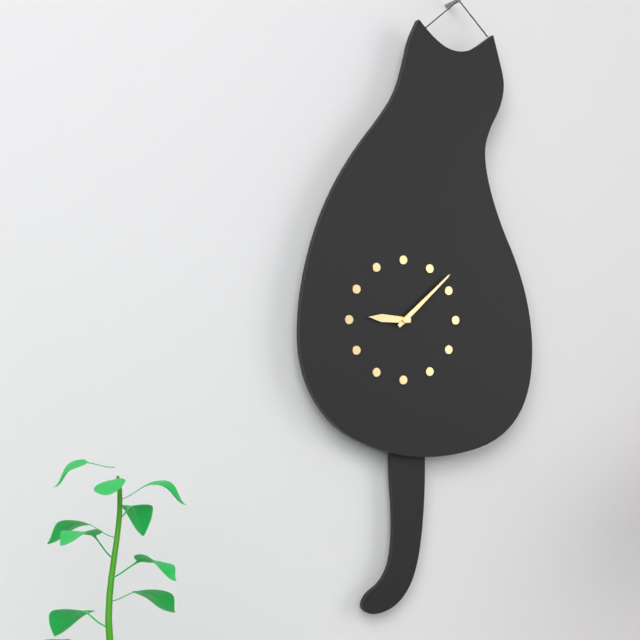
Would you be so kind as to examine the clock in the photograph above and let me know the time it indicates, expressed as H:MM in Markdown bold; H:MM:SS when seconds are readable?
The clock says **9:08**
